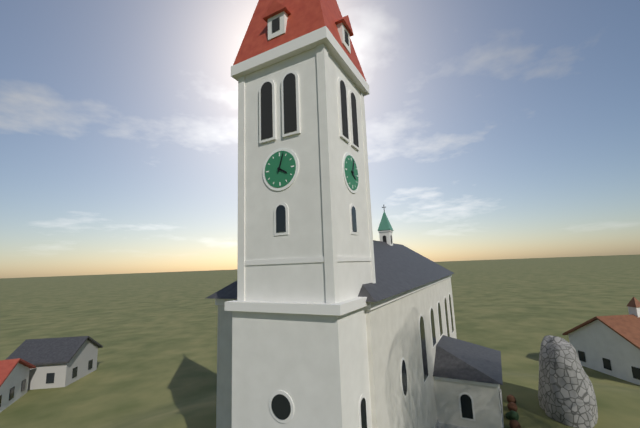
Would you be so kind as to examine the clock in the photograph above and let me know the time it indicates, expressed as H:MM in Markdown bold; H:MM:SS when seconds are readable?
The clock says **4:03**
